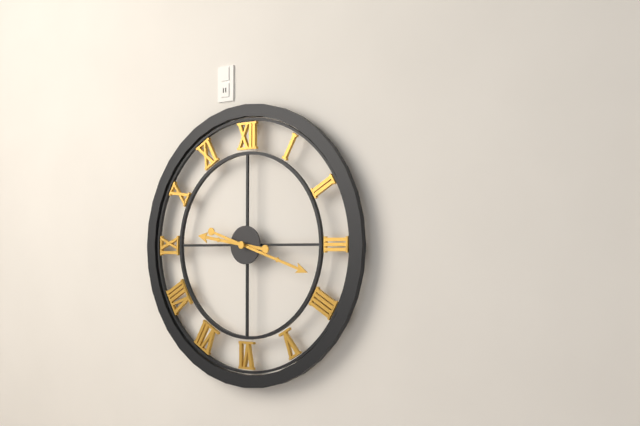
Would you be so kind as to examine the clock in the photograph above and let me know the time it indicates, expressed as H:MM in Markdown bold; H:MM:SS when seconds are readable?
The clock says **9:18**
